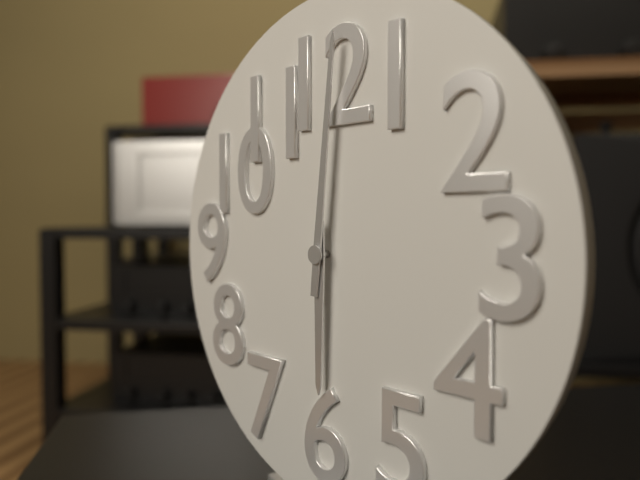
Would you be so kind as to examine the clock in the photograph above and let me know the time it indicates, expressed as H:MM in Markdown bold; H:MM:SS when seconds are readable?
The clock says **6:01**
